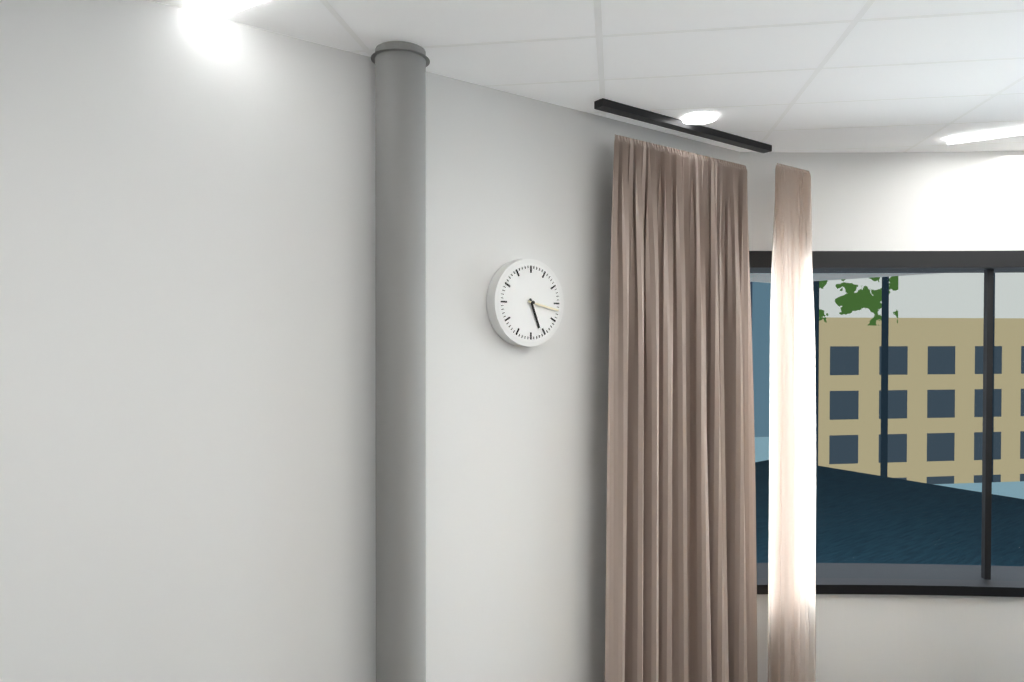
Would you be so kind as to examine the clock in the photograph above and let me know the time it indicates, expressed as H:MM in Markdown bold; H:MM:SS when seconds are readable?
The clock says **5:17**
